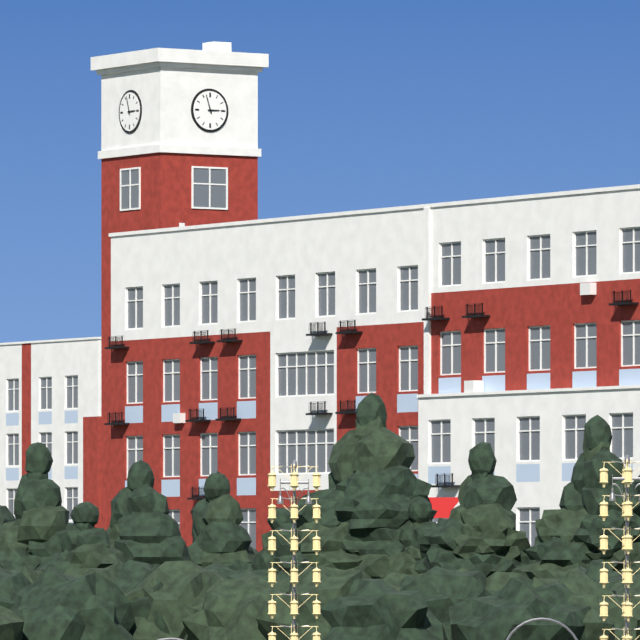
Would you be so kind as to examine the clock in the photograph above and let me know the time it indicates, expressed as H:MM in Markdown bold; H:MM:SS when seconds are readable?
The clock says **2:57**
